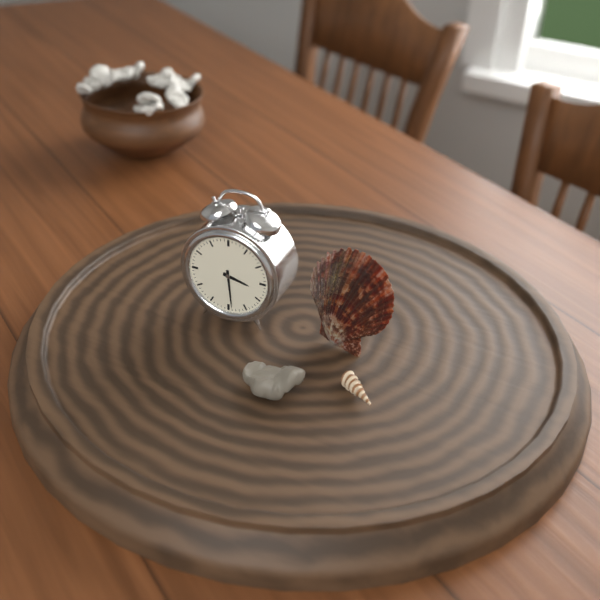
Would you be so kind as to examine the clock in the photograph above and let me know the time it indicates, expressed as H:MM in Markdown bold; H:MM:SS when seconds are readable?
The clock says **3:29**
